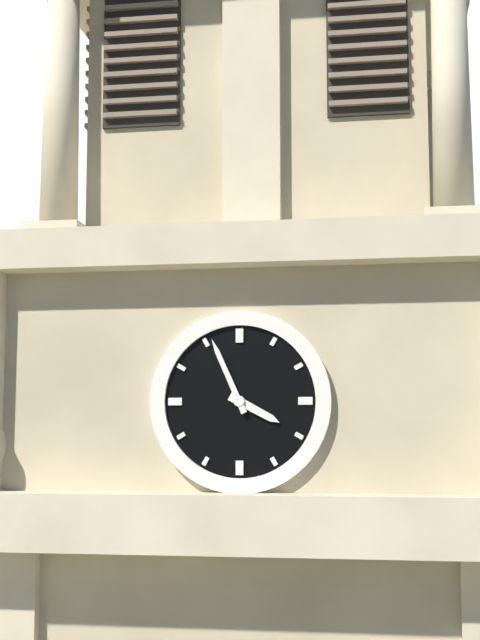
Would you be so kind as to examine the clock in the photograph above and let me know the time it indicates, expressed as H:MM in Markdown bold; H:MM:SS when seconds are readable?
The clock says **3:56**
